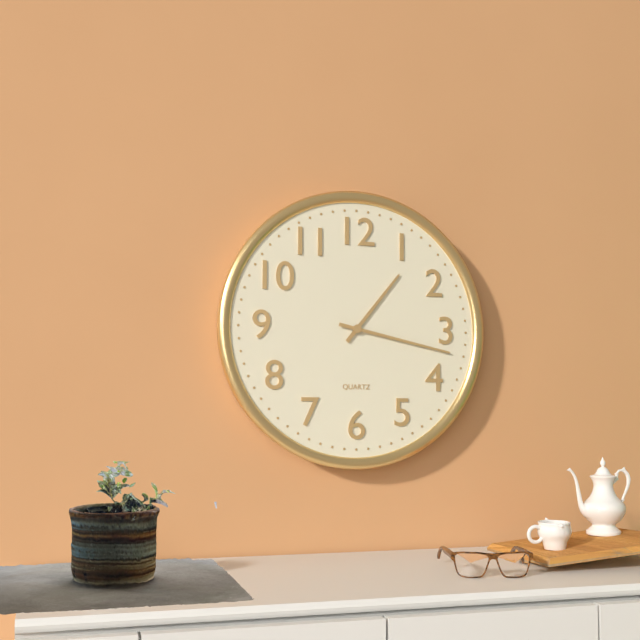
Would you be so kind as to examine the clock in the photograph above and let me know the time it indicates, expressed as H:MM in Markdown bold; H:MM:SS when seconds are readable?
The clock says **1:17**
